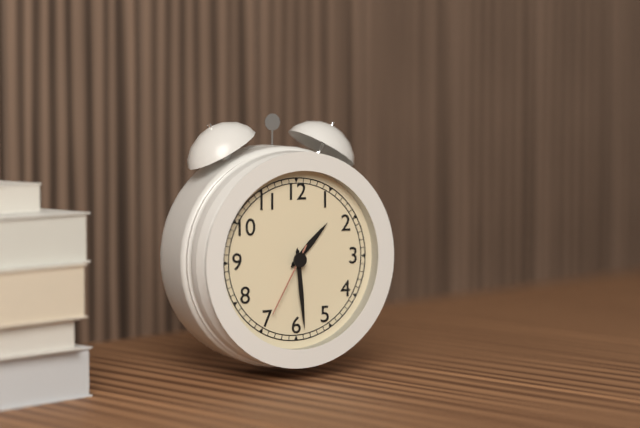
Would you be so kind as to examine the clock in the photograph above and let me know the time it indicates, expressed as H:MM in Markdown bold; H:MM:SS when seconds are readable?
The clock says **1:29:35**
